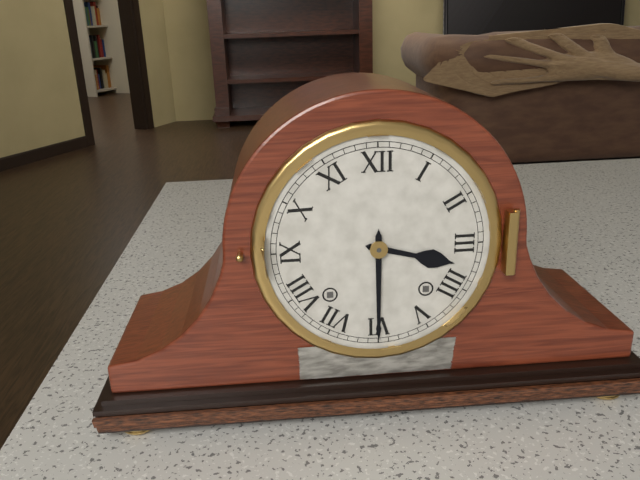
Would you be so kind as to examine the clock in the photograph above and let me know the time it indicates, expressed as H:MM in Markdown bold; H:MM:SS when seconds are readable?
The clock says **3:30**
